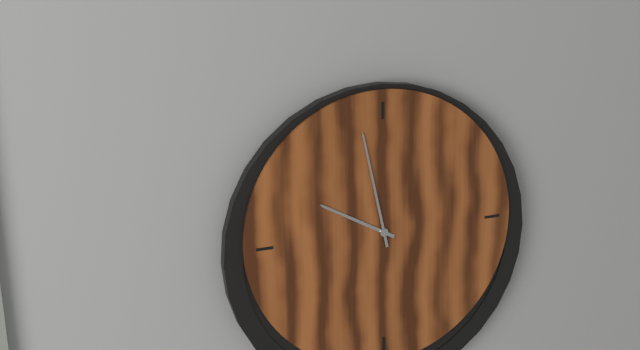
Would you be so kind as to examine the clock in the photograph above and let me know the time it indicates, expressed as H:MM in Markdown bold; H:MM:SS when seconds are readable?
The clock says **9:58**
